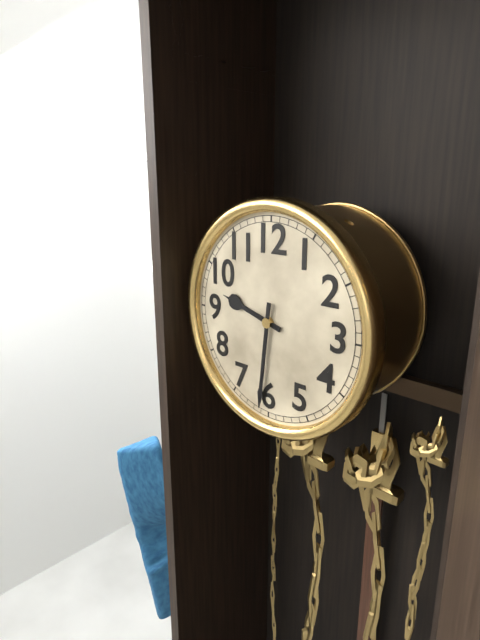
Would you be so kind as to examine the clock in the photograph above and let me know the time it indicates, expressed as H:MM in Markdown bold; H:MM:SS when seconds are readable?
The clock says **9:31**
